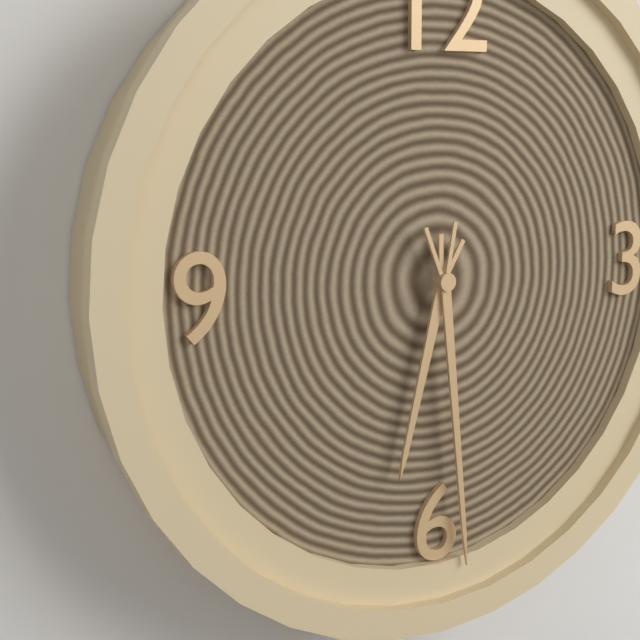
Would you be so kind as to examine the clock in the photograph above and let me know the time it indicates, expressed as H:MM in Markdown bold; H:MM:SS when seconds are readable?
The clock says **6:29**
